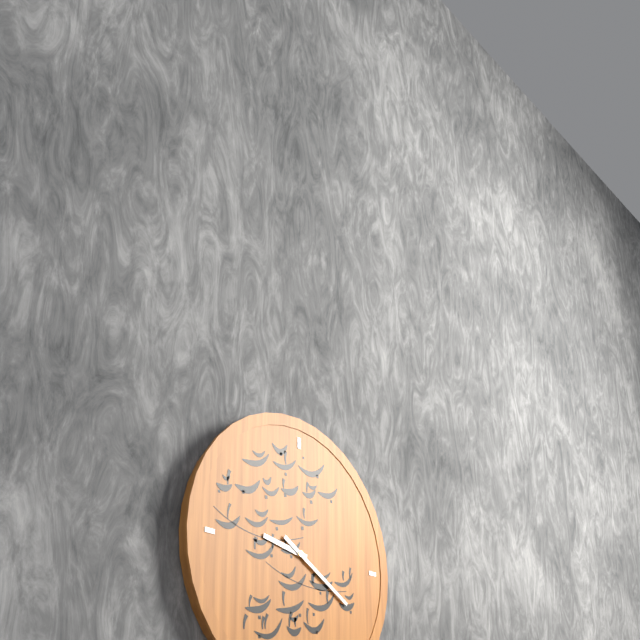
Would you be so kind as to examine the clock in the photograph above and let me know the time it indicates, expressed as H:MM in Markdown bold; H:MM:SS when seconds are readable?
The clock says **9:20**
